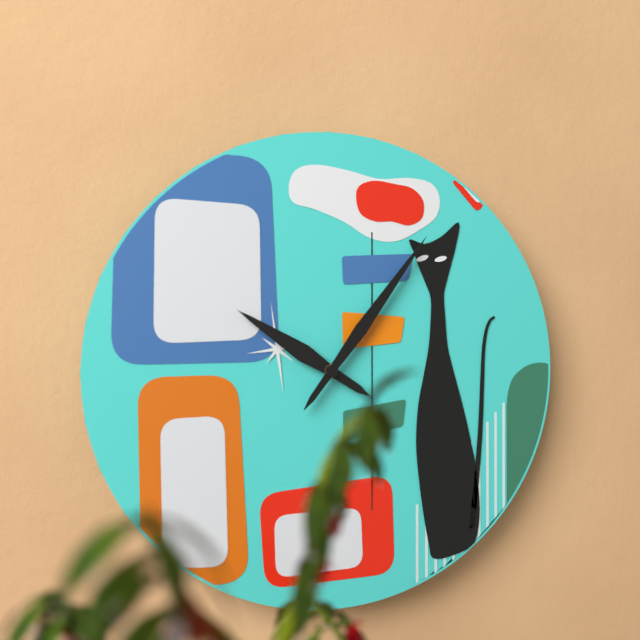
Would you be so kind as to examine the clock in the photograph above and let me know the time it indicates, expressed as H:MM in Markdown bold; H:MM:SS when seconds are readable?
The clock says **10:06**
